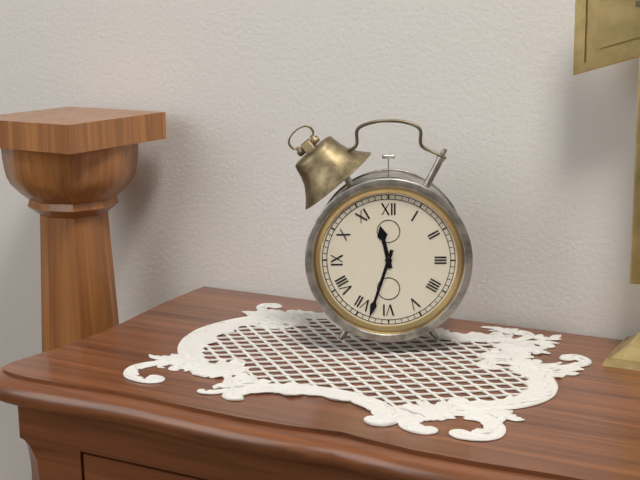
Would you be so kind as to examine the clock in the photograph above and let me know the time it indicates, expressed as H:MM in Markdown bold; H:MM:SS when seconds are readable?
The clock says **11:33**
